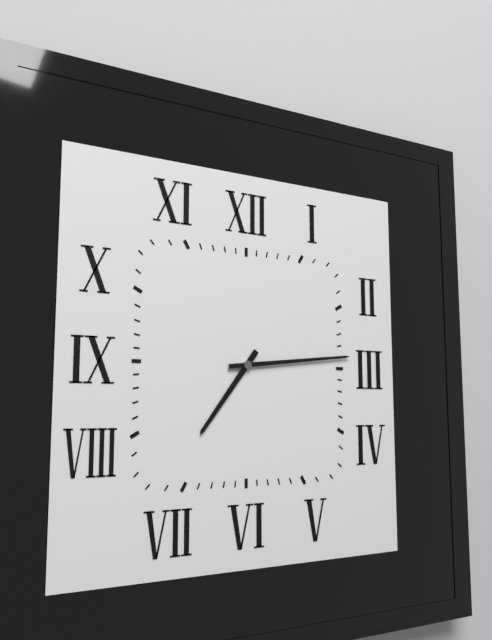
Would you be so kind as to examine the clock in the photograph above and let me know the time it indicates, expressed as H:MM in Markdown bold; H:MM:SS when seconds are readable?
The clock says **7:14**
